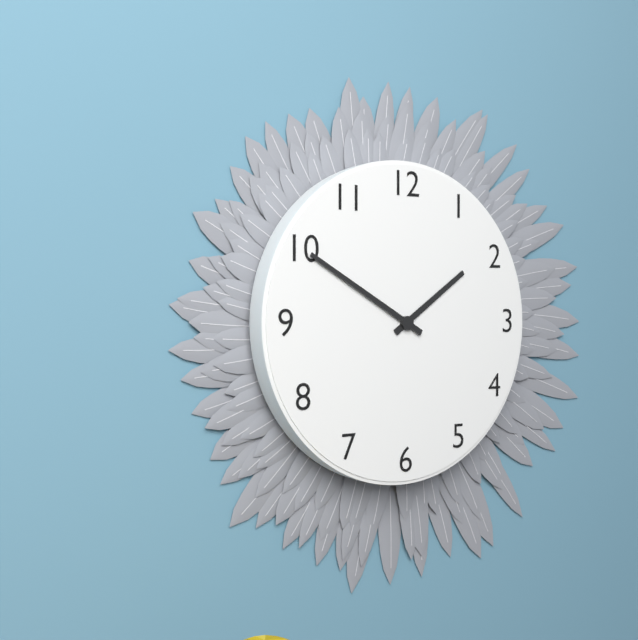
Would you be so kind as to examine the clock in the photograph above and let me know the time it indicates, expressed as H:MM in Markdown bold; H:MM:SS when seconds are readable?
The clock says **1:50**
